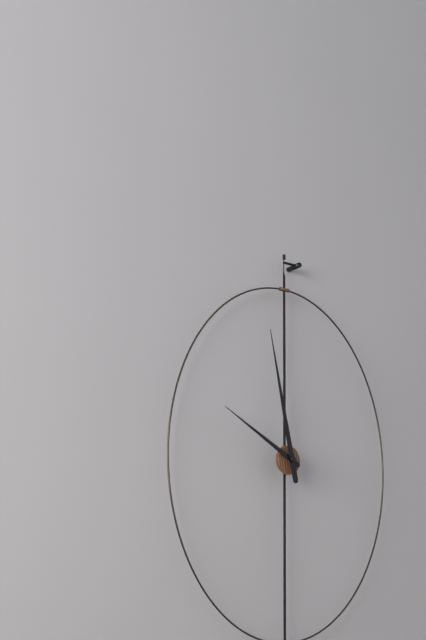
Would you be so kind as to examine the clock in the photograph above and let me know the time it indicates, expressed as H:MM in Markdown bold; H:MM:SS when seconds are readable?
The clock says **9:58**
